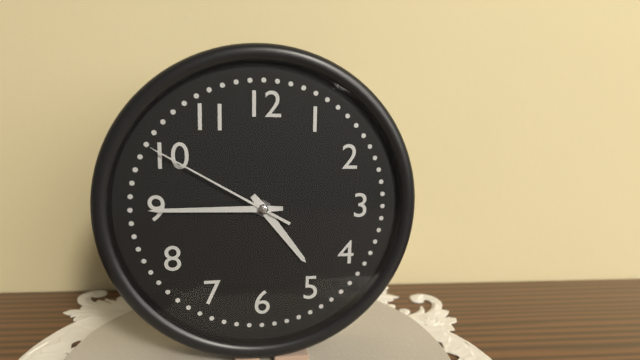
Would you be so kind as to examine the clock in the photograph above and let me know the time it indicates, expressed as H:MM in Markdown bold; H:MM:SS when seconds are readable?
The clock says **4:45:50**
